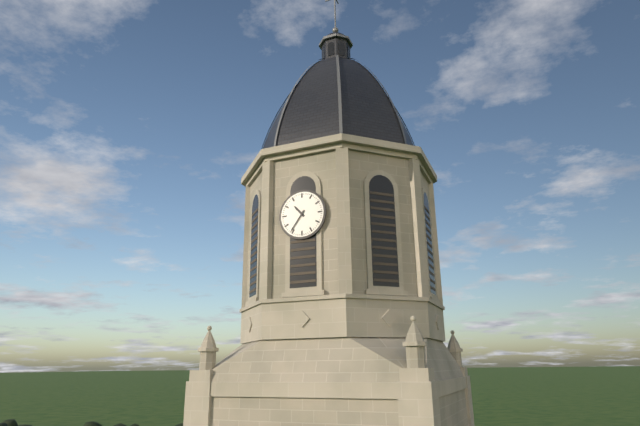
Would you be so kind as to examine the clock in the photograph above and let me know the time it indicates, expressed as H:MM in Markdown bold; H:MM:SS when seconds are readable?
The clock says **10:36**
